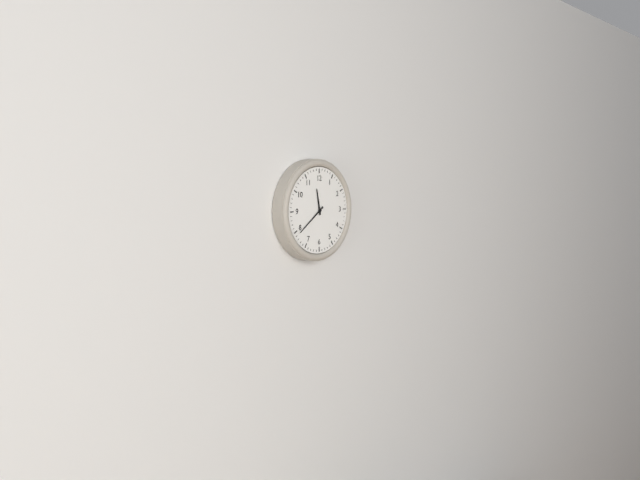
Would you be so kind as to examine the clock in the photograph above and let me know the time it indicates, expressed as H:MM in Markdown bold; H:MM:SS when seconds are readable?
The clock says **11:39**
